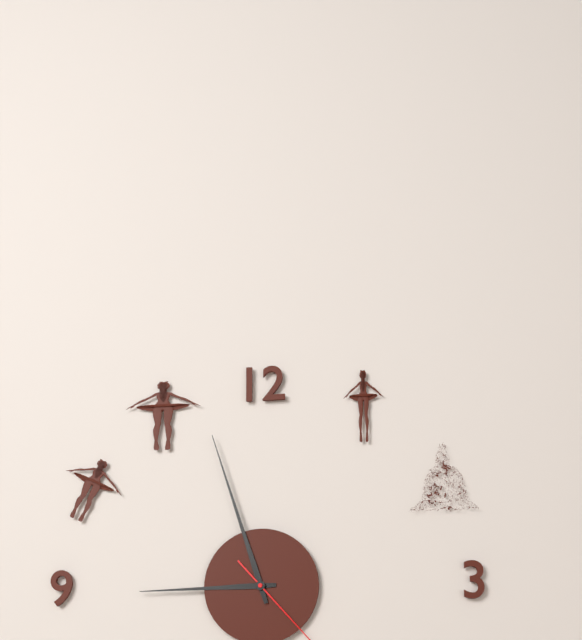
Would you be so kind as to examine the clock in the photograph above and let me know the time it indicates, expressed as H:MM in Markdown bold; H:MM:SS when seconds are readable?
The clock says **8:57**
